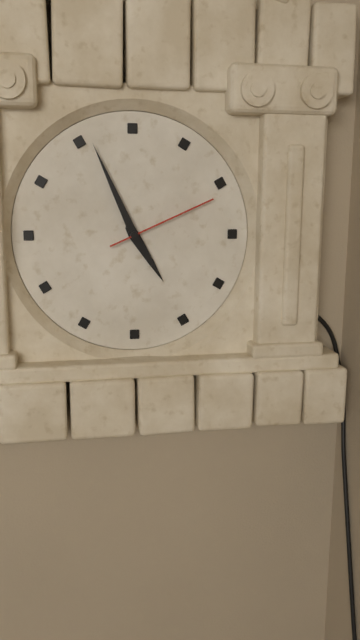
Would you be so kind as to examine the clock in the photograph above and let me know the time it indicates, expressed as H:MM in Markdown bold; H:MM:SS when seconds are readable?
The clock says **4:56:11**
